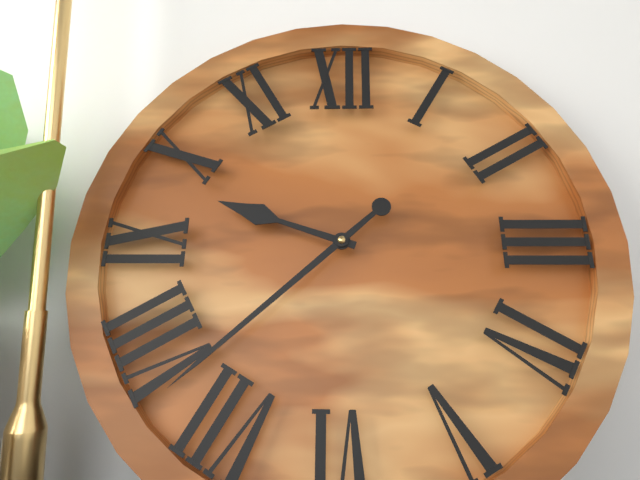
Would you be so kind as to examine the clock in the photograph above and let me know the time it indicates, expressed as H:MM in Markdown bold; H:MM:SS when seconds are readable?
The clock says **9:38**
